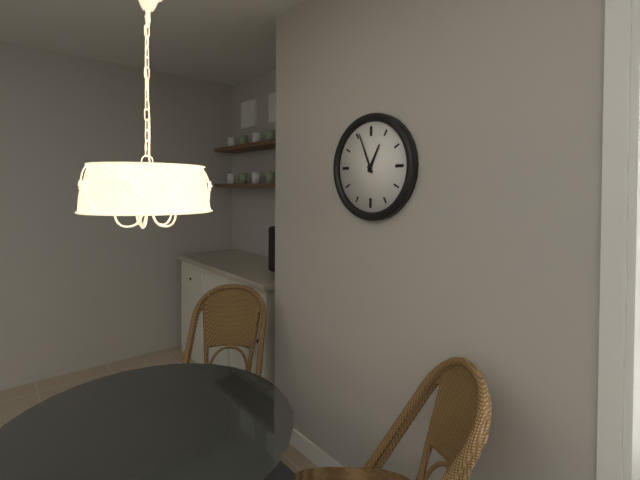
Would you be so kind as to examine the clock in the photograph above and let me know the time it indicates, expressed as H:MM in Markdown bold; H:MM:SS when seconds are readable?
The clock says **12:56**
